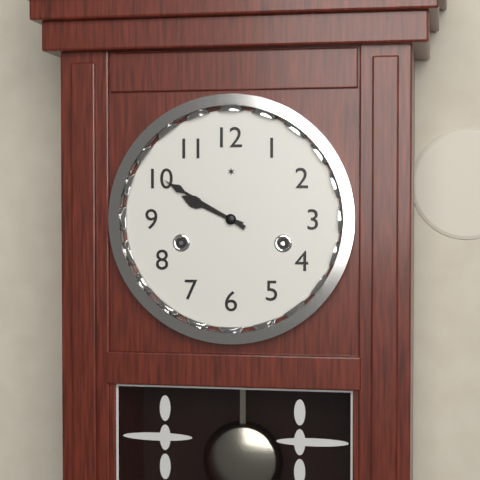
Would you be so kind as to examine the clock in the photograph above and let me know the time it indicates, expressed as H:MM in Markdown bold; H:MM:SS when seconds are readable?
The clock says **9:50**
